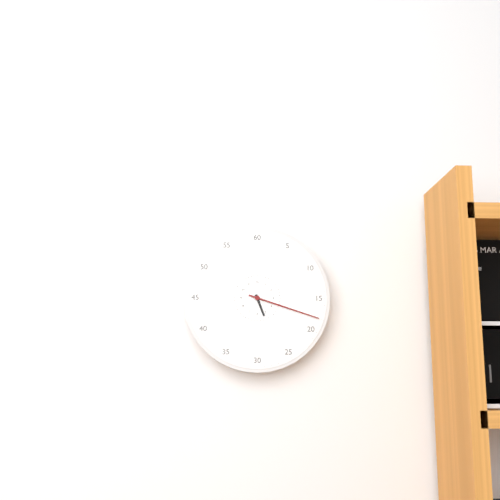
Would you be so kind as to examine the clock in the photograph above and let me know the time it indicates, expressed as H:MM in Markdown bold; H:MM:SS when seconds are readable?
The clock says **5:18**
